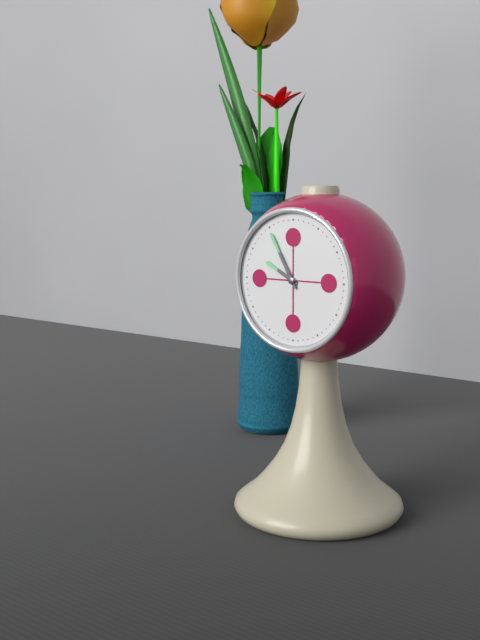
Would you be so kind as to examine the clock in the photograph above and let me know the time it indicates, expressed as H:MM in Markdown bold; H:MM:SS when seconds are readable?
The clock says **9:55**
